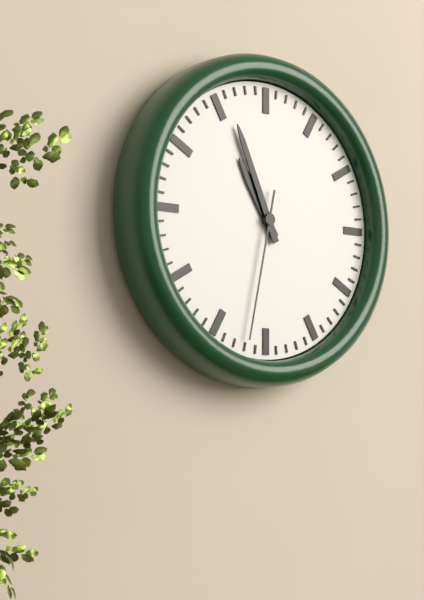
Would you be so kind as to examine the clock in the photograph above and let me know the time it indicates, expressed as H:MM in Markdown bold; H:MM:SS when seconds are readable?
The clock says **10:56:32**
